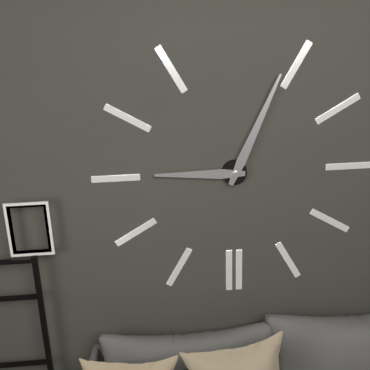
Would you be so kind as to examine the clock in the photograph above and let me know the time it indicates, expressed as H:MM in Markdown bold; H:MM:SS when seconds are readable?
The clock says **9:04**
